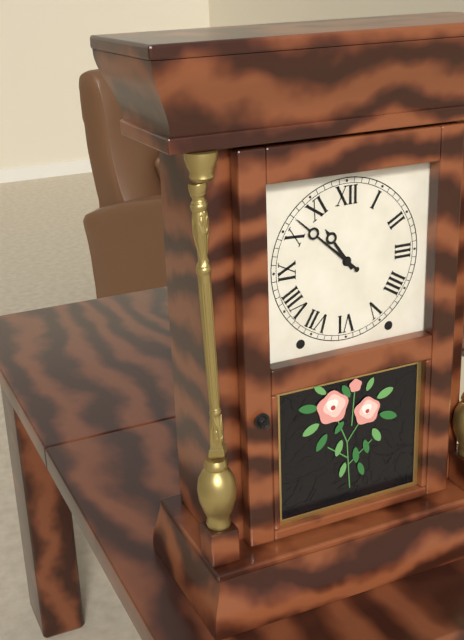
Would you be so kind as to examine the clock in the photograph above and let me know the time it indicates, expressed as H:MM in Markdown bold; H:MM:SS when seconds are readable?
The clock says **10:52**
